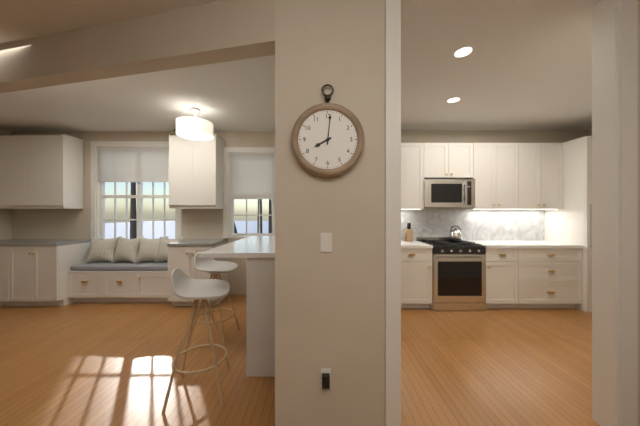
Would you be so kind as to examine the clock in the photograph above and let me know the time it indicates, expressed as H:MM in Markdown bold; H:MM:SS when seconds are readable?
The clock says **8:01**
